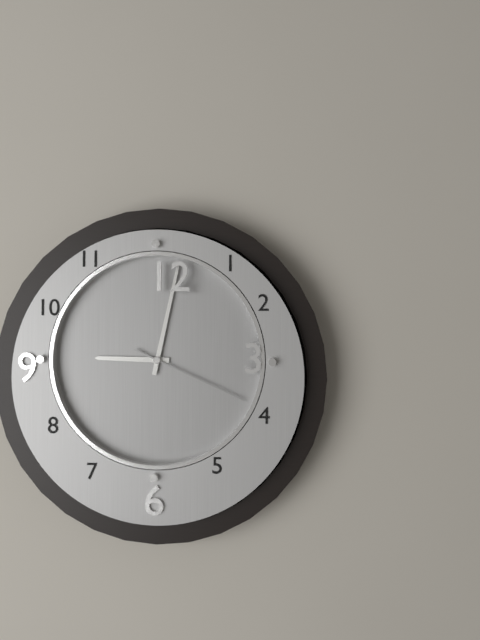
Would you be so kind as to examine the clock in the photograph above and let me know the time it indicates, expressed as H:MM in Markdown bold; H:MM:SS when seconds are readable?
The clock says **9:02:19**
